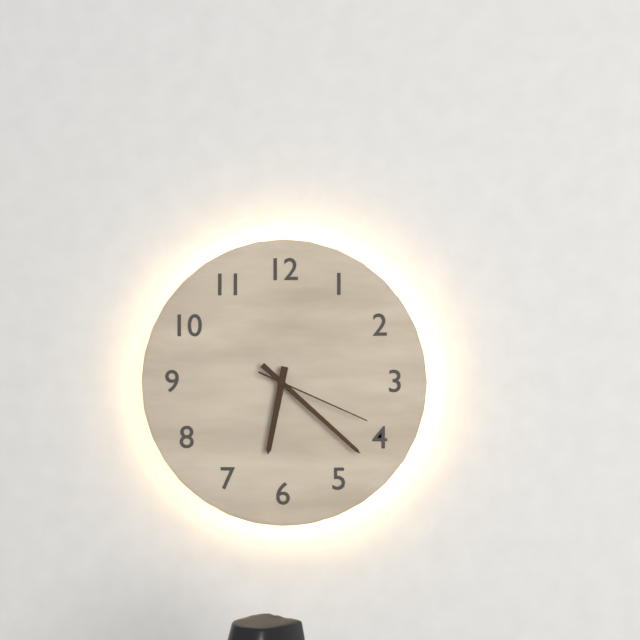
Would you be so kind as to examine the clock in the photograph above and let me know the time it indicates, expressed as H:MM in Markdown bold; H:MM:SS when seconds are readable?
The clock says **6:22:19**
